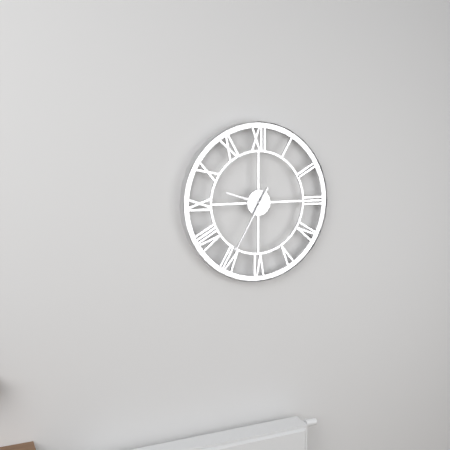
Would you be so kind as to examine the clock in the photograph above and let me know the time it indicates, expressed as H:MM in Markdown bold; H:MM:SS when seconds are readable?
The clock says **9:35**
